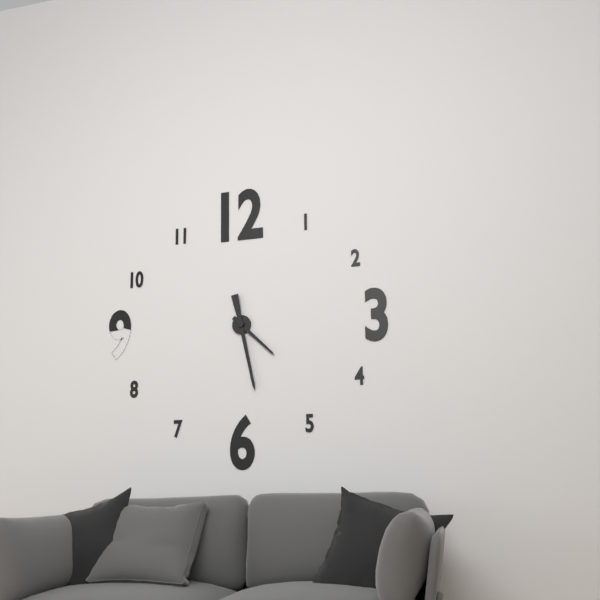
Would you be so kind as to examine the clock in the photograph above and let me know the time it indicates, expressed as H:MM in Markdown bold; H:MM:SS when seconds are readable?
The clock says **4:28**
